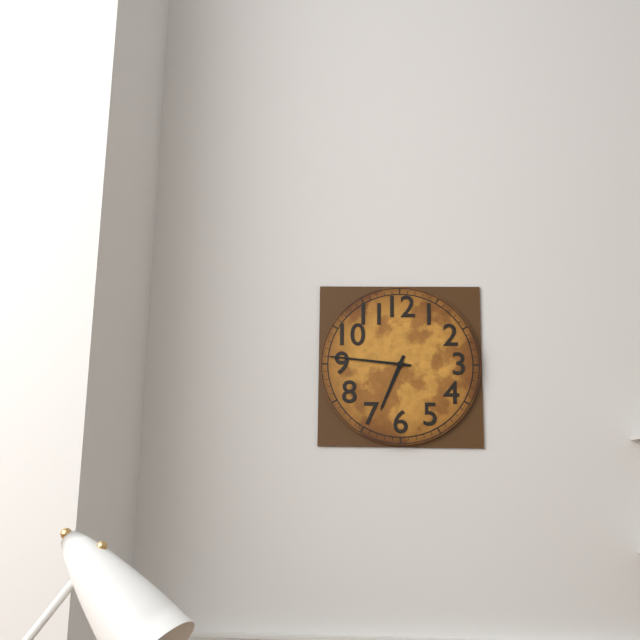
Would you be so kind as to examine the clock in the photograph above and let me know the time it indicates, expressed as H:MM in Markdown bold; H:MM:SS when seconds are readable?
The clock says **6:46**
